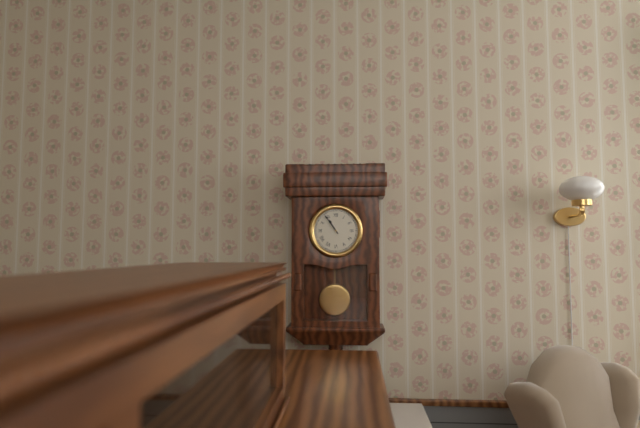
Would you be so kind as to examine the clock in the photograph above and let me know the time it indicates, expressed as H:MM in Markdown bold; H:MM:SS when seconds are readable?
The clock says **10:54**
